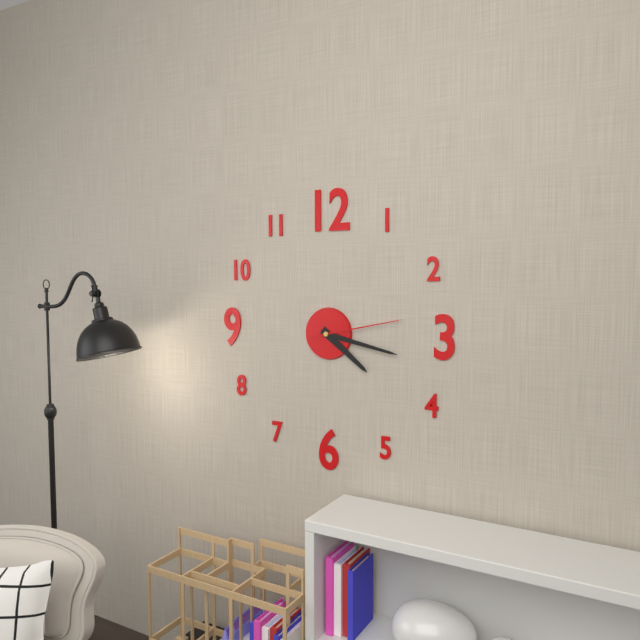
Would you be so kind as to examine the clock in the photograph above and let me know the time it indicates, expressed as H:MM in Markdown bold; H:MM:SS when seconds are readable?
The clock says **4:17:13**
